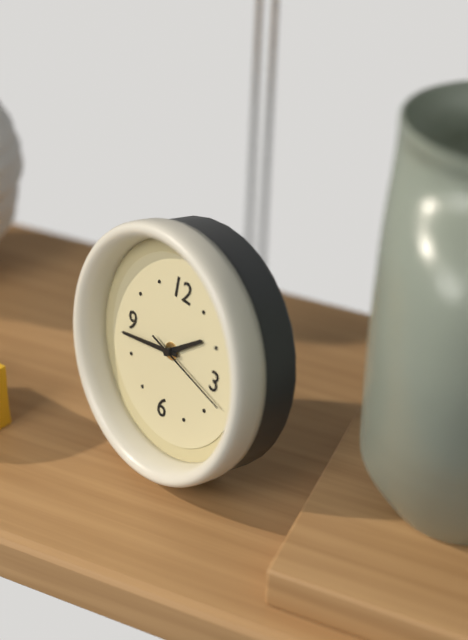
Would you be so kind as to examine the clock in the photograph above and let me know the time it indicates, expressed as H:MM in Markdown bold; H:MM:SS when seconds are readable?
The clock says **1:43:17**
